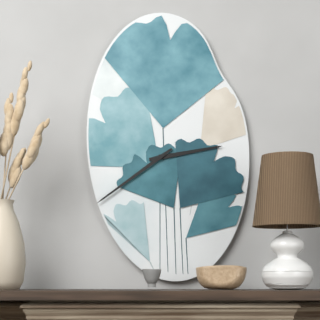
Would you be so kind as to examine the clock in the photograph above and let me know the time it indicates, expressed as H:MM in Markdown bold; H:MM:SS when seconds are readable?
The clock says **2:39**
